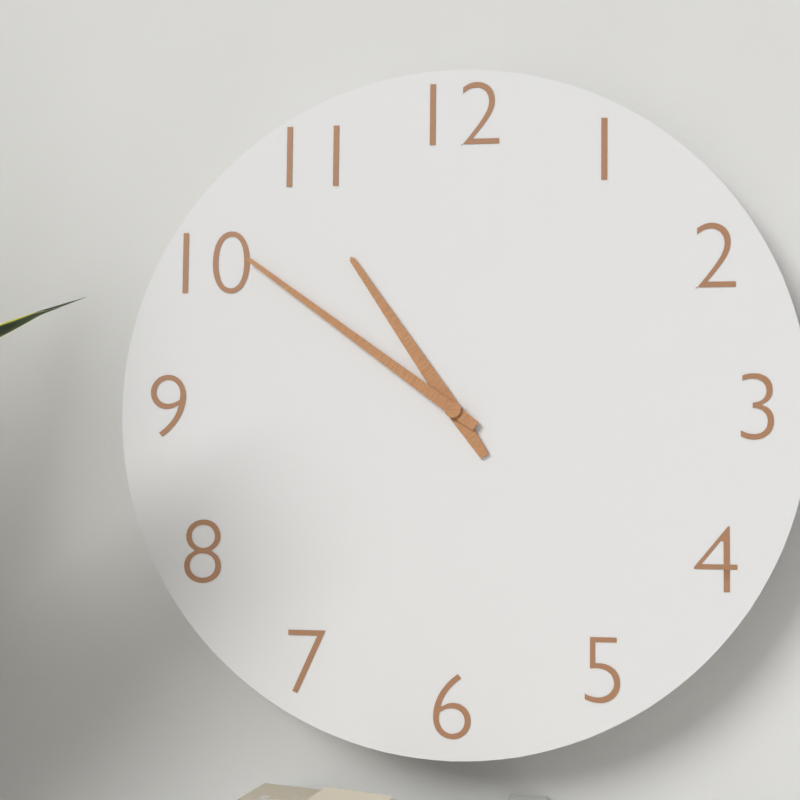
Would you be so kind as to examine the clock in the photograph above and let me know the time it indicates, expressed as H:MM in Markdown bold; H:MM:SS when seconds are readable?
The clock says **10:51**
